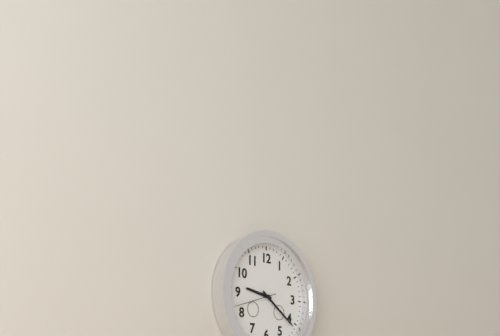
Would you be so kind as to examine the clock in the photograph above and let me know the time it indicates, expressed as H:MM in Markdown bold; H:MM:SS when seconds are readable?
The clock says **9:21**
